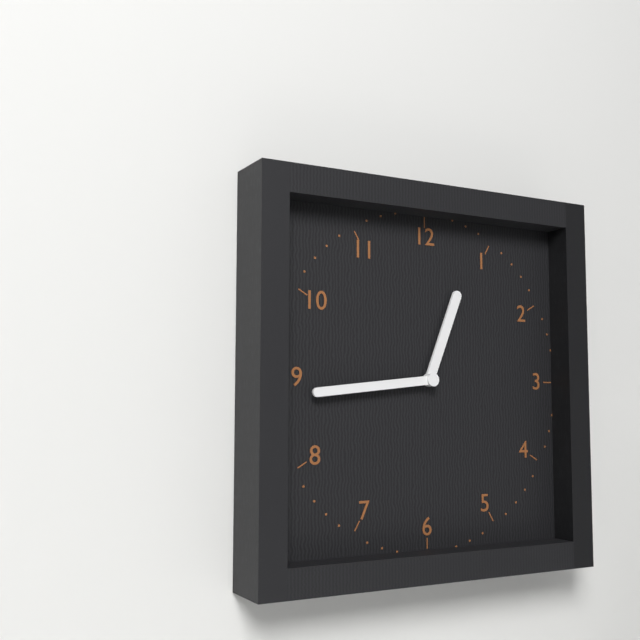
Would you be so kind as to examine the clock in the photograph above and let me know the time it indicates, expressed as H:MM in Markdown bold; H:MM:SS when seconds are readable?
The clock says **12:44**
